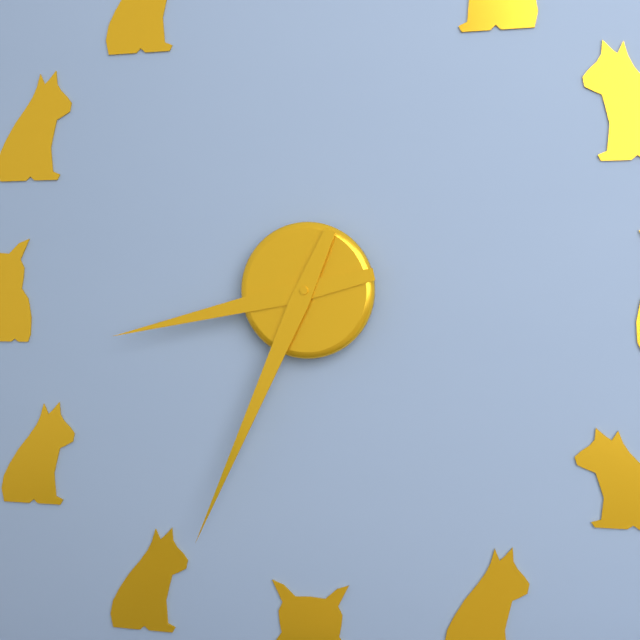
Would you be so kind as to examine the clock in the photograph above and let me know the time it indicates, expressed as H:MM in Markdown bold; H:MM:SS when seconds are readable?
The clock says **8:34**
